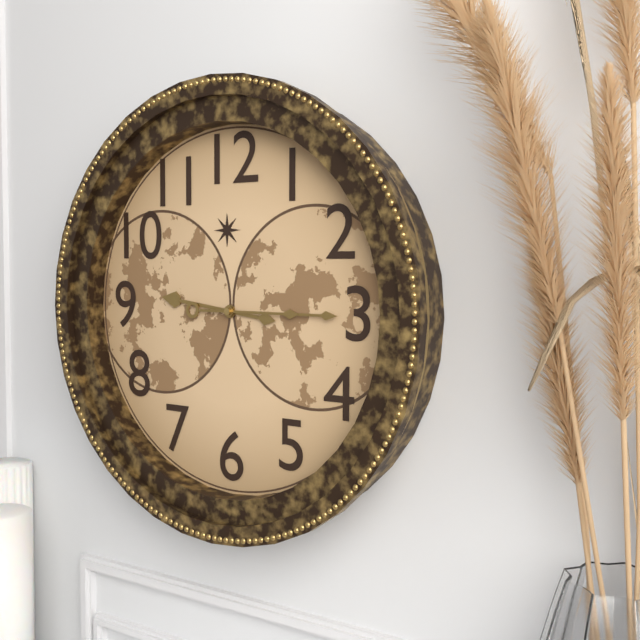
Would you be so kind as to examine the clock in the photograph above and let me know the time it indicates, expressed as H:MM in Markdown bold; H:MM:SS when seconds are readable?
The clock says **9:15**
